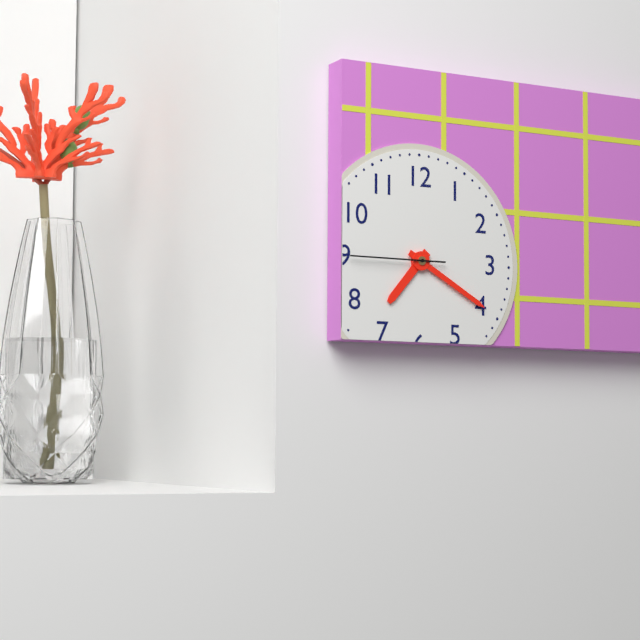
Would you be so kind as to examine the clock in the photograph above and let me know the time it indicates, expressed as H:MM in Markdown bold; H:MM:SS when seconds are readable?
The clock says **7:20:45**
